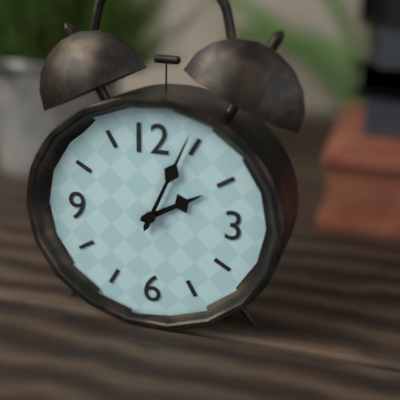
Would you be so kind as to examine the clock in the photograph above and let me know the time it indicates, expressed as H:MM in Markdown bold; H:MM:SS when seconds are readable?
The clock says **2:04**
